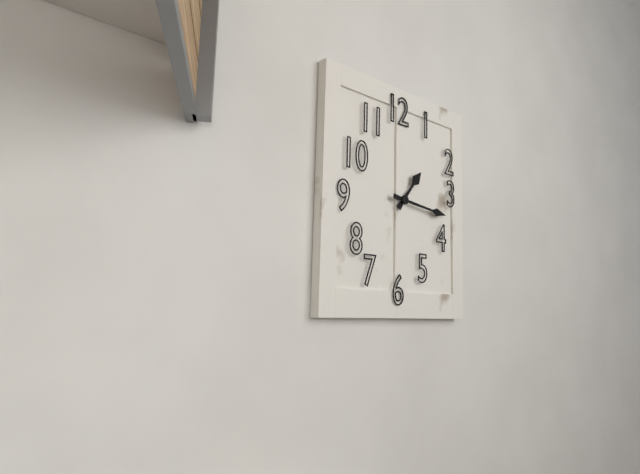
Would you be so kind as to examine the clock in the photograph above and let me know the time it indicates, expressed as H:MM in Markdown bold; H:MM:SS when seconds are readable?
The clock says **1:16**
